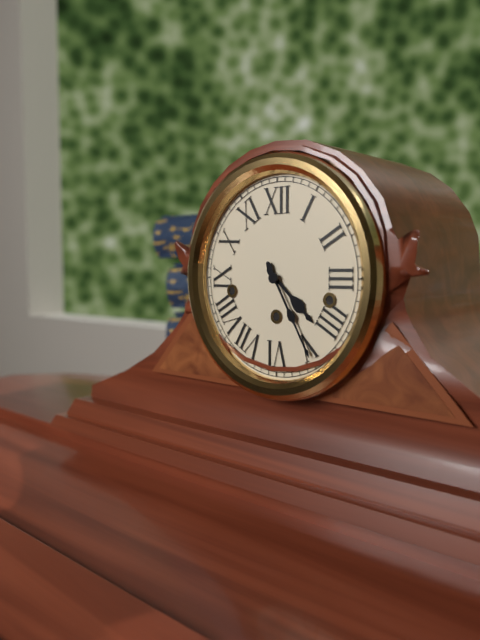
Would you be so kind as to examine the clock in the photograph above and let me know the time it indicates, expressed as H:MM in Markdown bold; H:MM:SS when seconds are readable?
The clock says **4:25**
